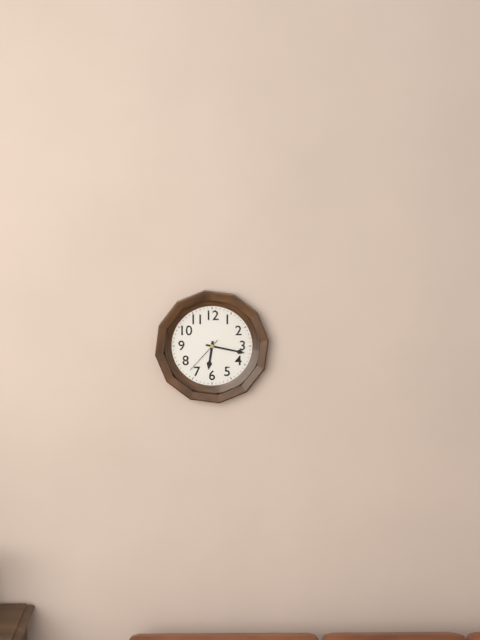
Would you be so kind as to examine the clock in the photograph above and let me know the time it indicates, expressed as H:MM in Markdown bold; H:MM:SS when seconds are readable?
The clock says **6:17**
